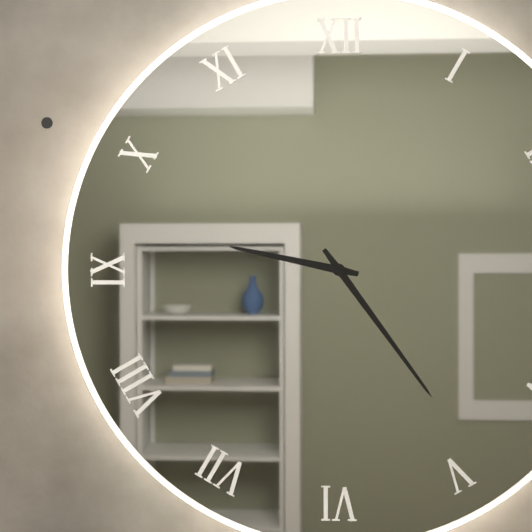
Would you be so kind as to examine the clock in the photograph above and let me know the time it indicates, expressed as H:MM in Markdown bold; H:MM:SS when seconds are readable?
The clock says **9:24**
